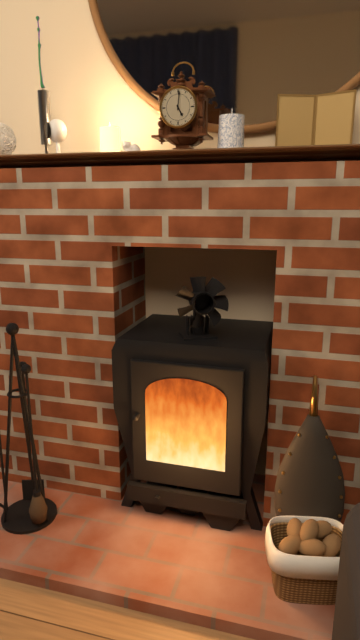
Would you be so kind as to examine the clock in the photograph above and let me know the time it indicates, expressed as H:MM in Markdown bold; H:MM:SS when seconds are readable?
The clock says **5:01**
